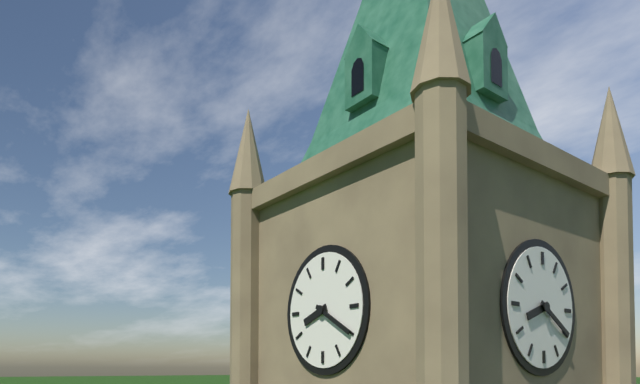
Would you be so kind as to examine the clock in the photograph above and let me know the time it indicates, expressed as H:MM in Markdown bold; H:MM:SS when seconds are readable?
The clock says **8:20**
